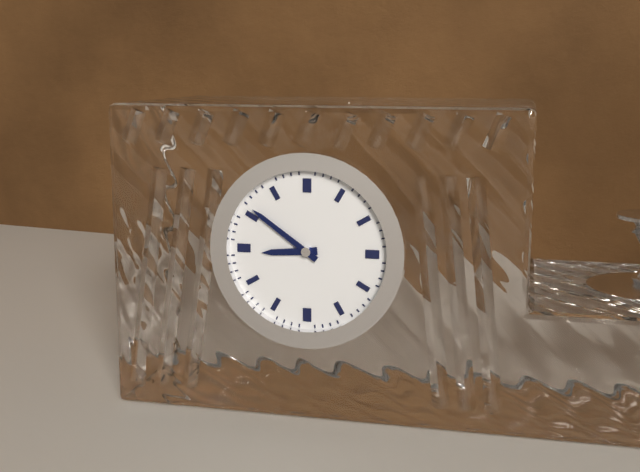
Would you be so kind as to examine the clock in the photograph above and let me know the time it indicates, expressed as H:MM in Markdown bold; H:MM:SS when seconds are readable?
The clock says **8:51**
